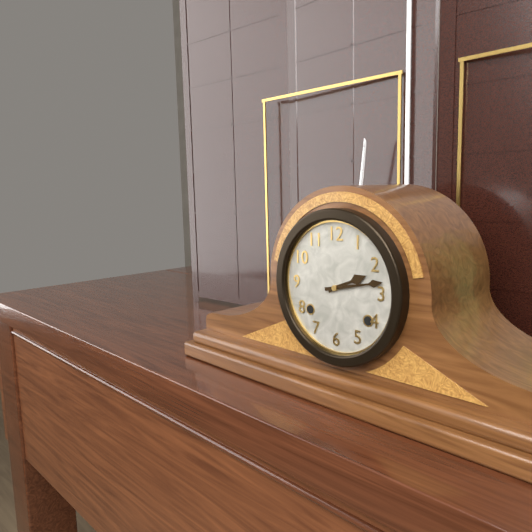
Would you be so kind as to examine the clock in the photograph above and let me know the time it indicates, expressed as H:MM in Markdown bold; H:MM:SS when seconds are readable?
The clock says **2:13**
